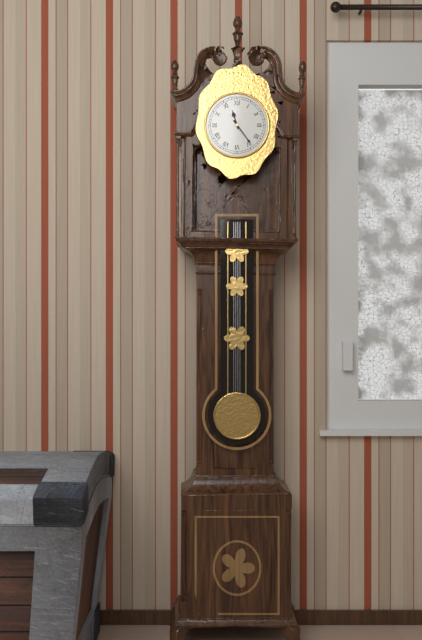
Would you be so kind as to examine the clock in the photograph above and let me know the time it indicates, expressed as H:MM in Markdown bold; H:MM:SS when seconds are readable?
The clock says **11:24**
